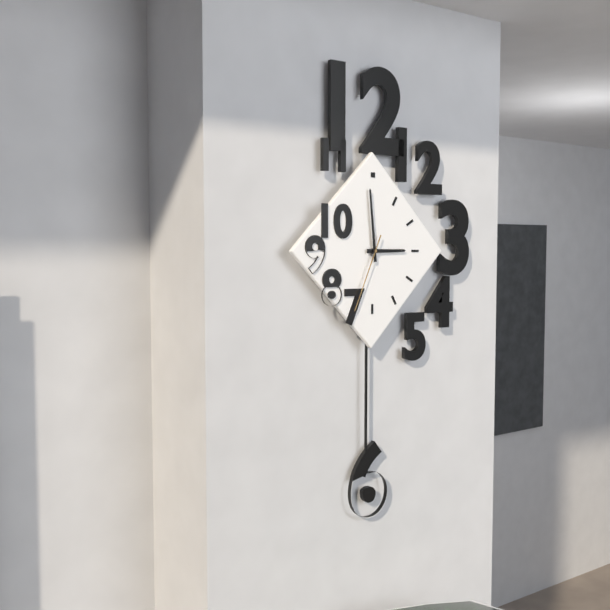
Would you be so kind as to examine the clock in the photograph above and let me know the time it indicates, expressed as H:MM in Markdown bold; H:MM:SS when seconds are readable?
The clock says **2:59:34**
